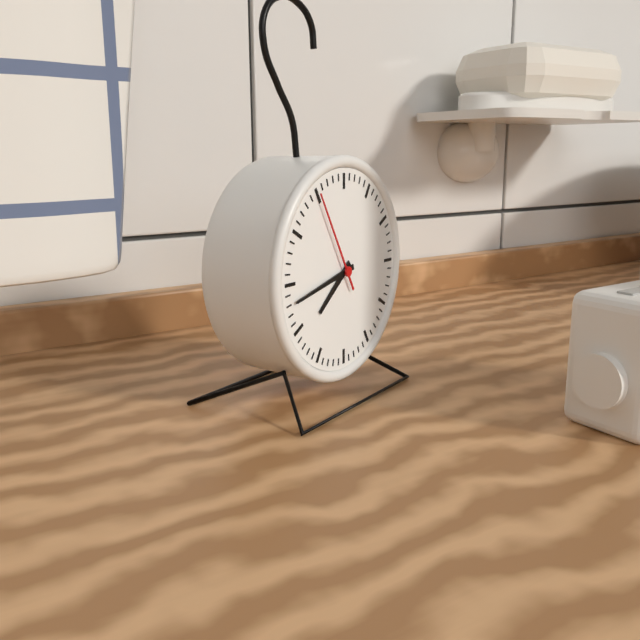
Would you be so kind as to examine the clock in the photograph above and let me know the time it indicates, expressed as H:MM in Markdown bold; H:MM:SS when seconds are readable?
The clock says **7:43:55**
